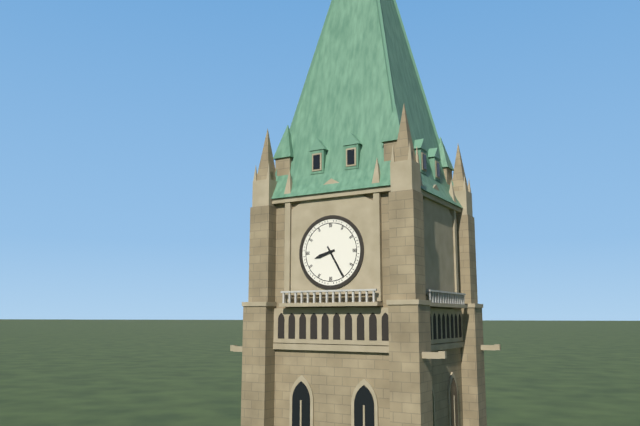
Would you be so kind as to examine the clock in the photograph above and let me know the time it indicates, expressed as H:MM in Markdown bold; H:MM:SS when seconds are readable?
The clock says **8:25**
